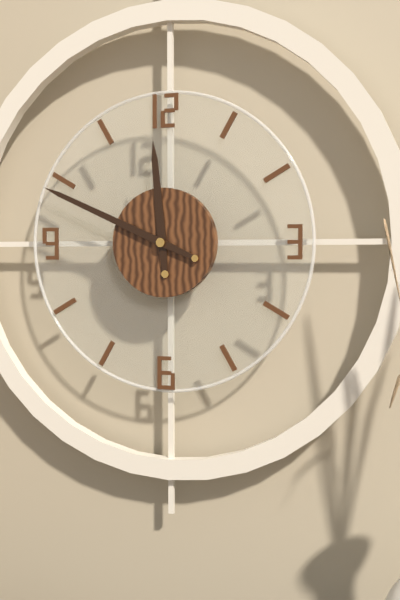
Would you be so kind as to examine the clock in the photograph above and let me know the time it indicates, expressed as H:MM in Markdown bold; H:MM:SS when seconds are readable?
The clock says **11:49**
